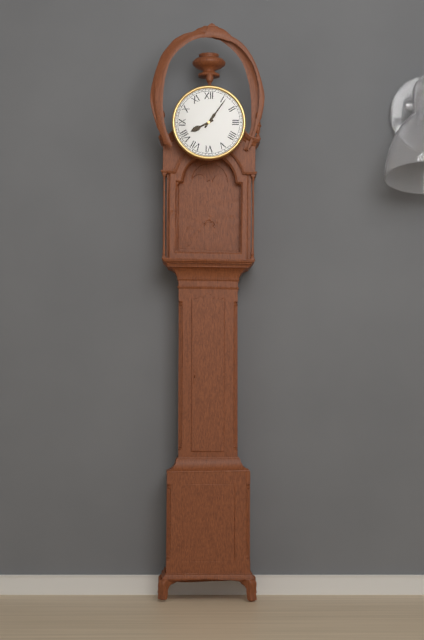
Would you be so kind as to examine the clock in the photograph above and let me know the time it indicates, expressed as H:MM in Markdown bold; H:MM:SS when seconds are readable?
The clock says **8:06**
